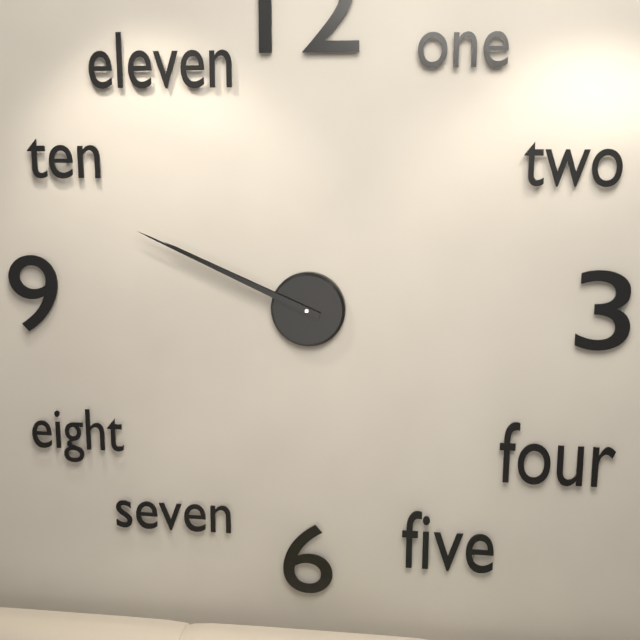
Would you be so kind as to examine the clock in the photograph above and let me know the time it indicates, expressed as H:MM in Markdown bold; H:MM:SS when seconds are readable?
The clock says **9:49**
